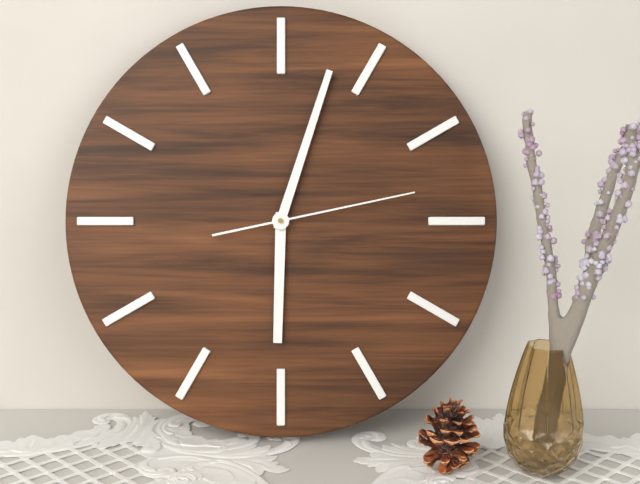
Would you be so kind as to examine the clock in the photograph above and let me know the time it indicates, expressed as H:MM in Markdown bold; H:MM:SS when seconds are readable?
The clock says **6:03:13**
